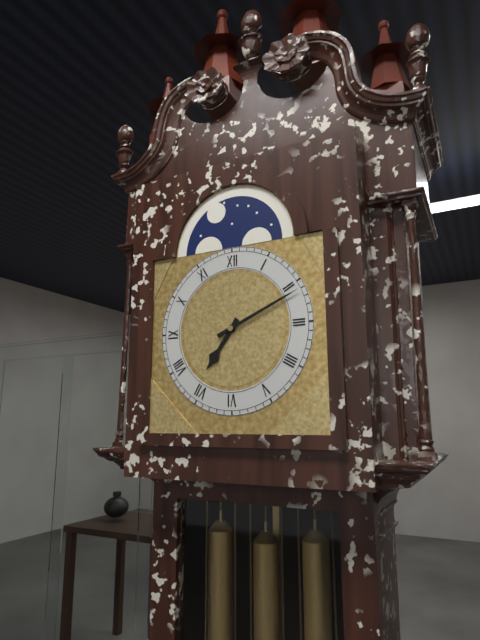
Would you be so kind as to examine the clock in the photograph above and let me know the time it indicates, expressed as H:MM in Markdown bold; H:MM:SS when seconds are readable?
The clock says **7:11**
